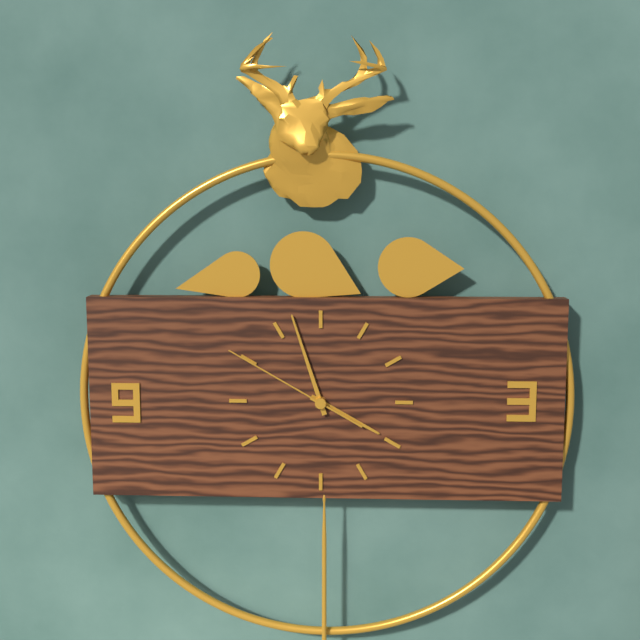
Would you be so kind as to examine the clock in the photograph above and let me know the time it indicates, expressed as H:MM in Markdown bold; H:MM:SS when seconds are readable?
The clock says **3:57:50**
